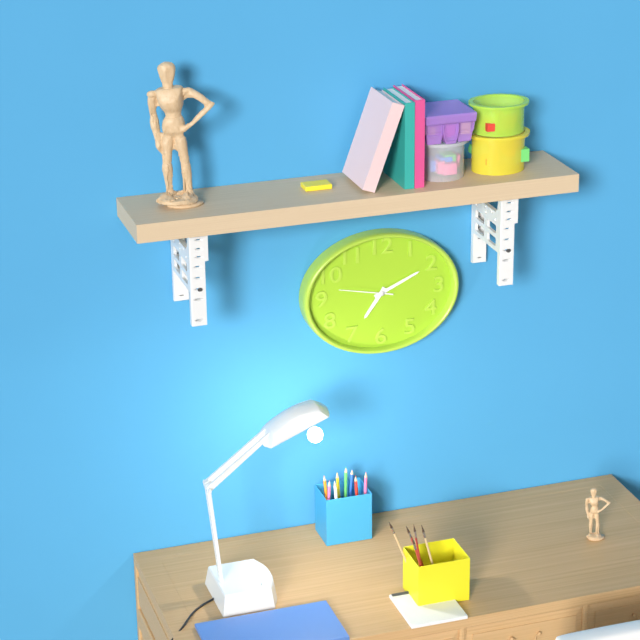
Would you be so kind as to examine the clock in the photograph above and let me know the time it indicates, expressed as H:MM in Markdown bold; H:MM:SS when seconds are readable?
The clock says **7:11:47**
